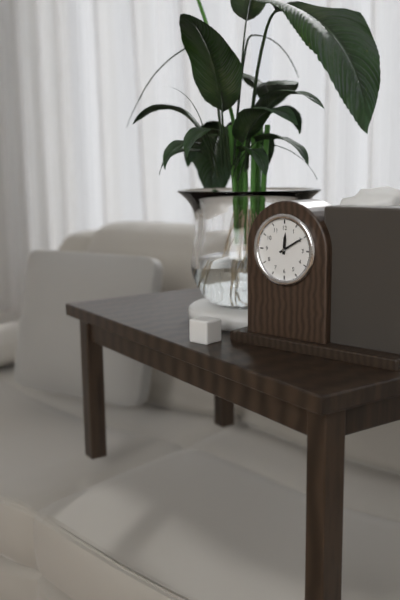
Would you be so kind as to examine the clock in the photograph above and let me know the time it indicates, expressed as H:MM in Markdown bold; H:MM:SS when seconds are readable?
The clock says **12:10**
